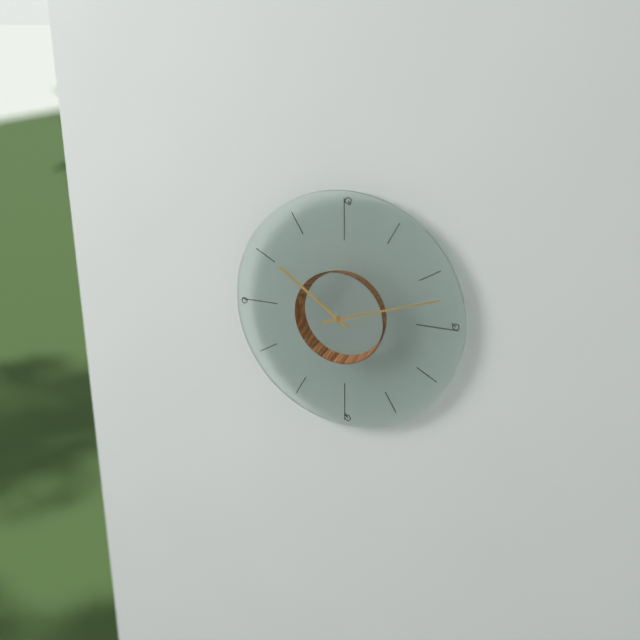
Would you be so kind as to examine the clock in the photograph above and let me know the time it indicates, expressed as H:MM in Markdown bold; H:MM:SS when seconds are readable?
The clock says **10:12**
